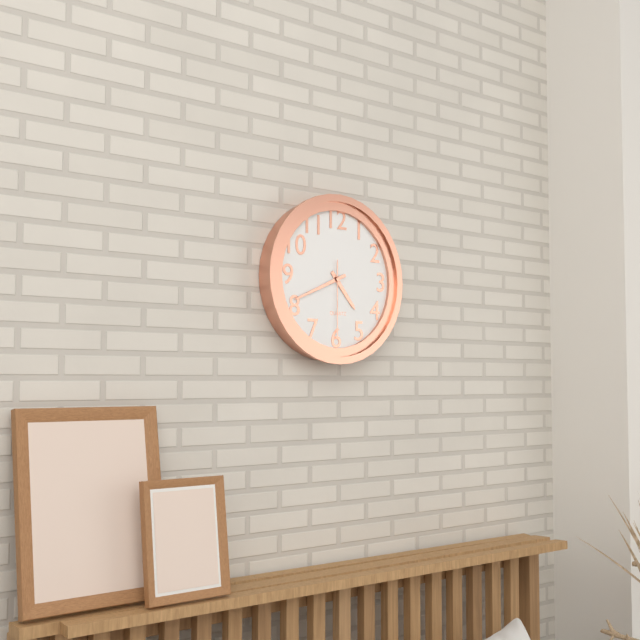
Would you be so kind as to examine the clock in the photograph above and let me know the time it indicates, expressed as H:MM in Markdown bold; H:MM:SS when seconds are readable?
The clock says **4:41:30**
